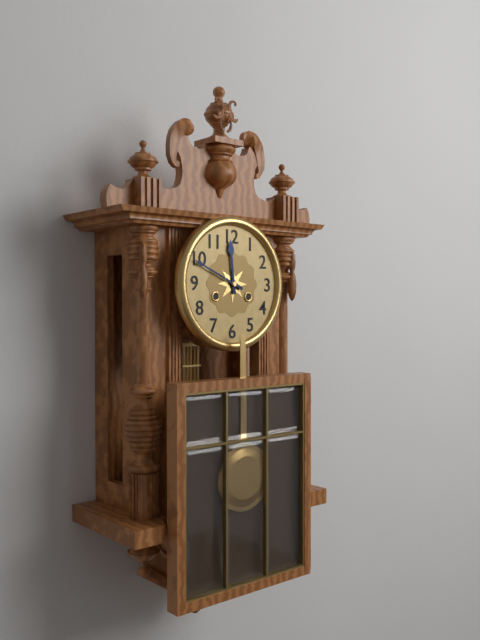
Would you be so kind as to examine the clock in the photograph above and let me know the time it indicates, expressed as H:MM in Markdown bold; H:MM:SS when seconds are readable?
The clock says **11:49**
